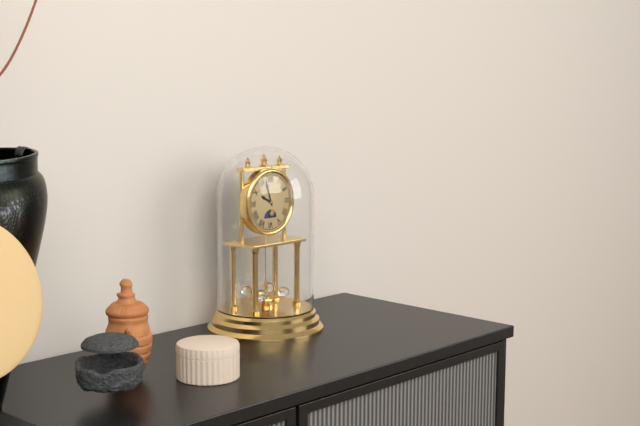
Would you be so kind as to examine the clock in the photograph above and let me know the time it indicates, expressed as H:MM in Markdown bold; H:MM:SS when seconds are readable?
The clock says **9:57**
